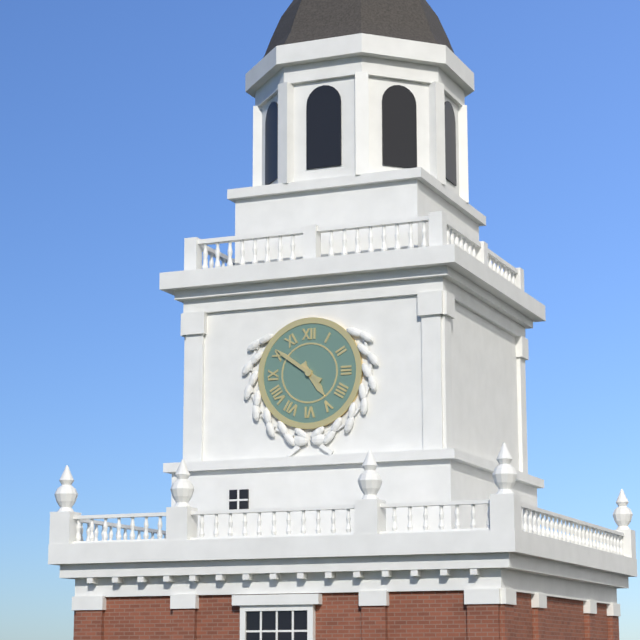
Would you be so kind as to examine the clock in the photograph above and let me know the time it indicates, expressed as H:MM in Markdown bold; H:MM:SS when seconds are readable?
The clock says **4:51**
